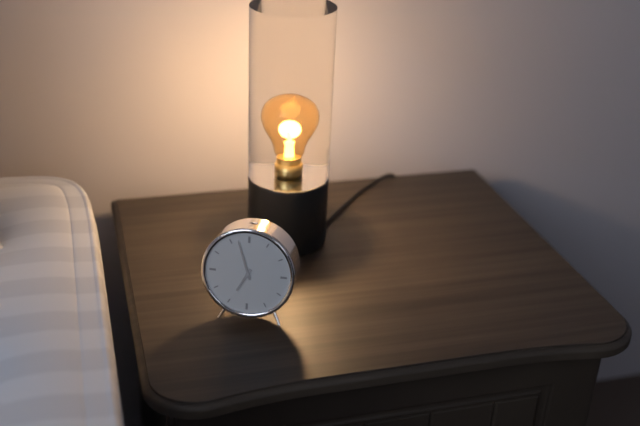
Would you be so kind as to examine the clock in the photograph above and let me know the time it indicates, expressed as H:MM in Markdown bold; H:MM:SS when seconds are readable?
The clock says **6:57**
